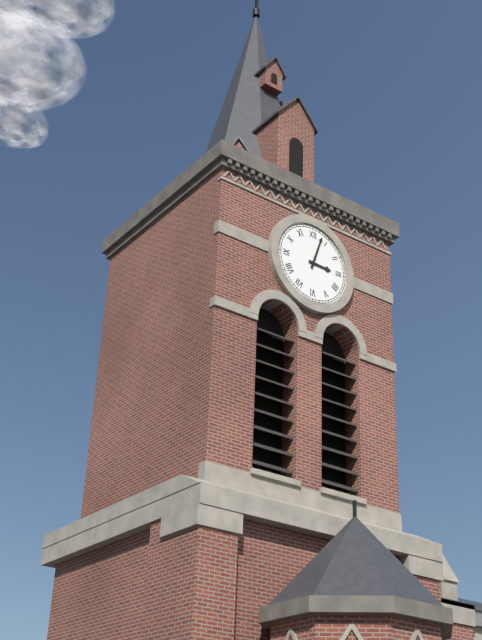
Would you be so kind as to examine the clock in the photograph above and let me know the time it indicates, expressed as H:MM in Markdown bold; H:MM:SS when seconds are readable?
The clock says **3:03**
